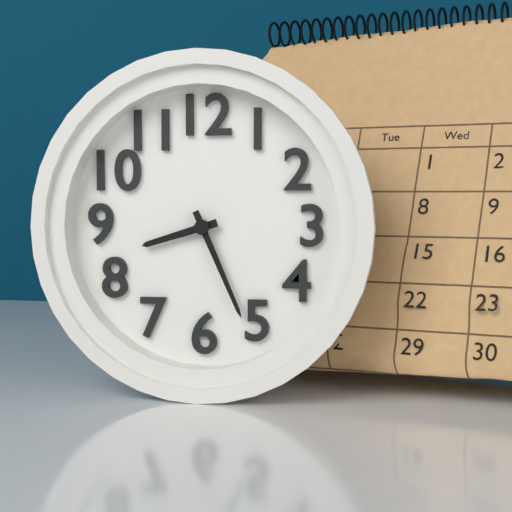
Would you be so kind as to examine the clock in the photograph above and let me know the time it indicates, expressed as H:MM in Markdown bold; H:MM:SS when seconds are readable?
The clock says **8:26**
